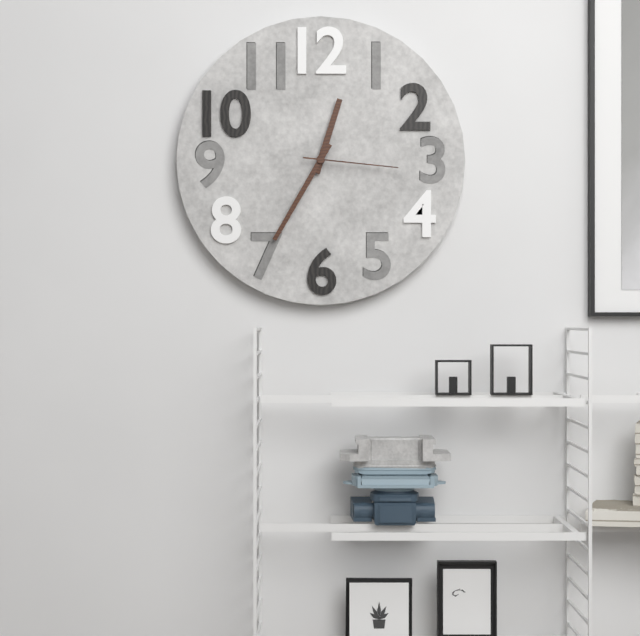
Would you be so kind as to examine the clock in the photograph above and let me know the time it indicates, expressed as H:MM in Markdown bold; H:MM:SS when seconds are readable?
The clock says **12:35:16**
